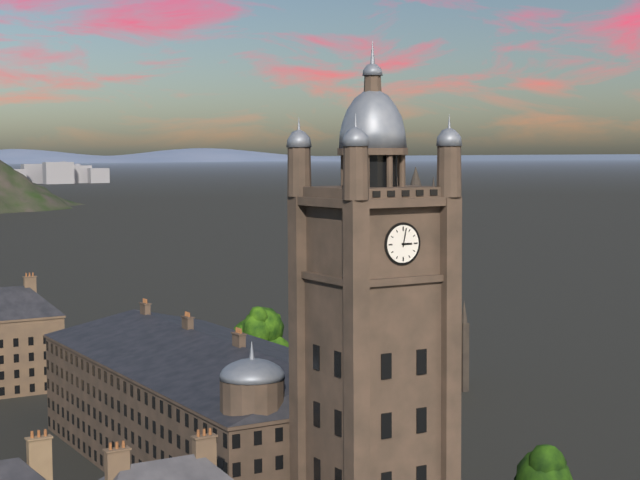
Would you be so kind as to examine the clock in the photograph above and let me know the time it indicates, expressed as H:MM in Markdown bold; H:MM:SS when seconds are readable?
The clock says **3:02**
